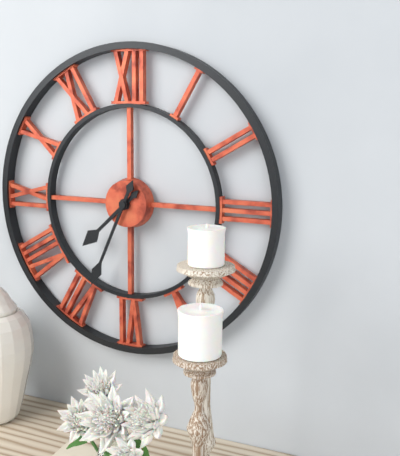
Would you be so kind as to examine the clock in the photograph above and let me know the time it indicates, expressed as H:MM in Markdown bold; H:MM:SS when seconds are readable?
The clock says **7:34**
